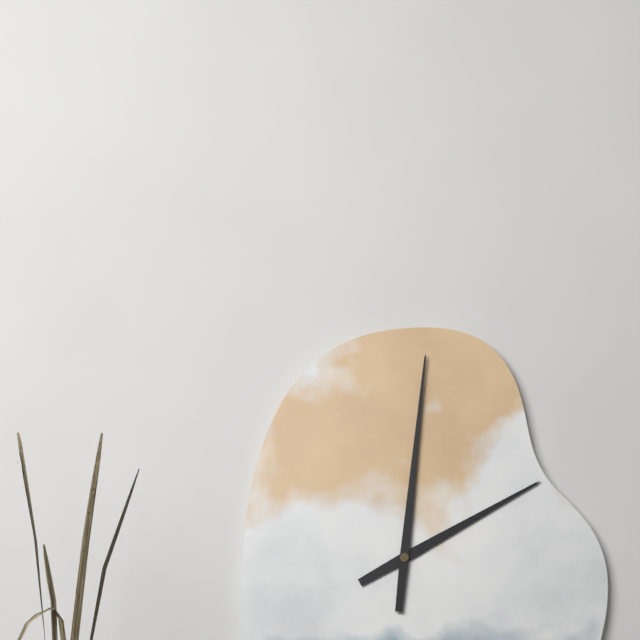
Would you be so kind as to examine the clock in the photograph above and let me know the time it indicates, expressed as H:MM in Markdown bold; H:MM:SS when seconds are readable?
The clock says **2:01**
